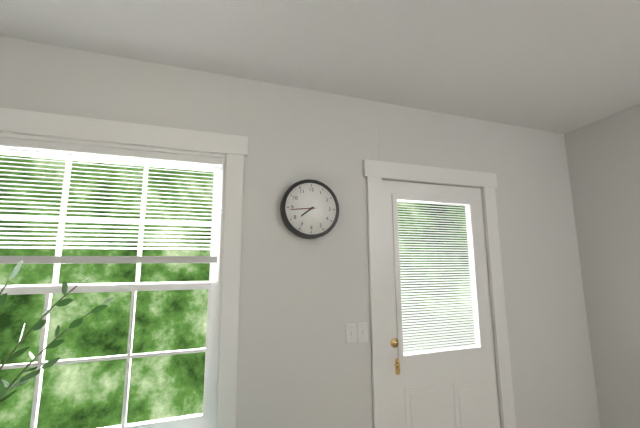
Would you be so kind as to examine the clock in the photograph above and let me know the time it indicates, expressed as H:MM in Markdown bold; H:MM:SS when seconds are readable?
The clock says **7:44**
